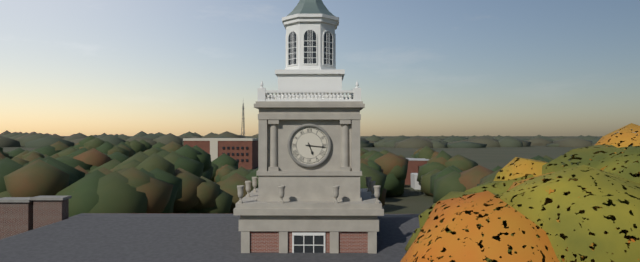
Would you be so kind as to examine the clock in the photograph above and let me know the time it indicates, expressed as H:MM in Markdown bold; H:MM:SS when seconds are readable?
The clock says **5:16**
